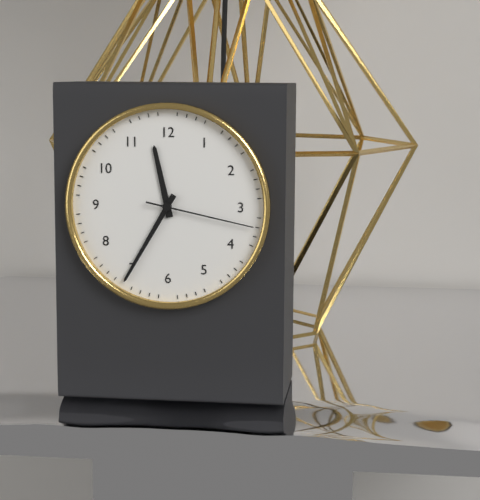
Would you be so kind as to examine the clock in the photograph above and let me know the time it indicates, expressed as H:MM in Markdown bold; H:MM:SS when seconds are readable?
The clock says **11:35:17**
